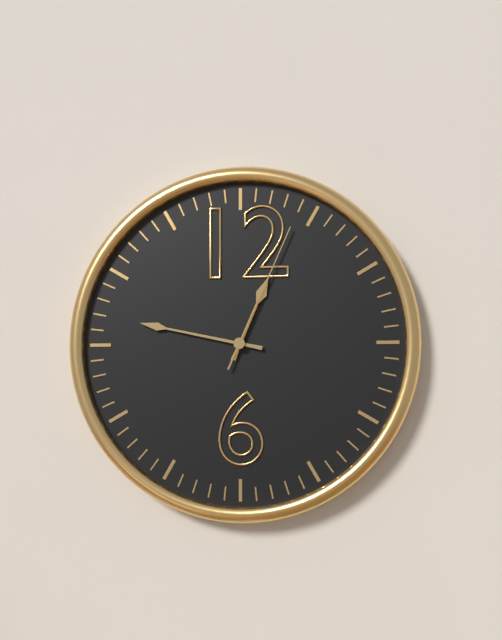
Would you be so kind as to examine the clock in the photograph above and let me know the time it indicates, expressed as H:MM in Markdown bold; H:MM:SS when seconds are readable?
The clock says **12:47:04**
